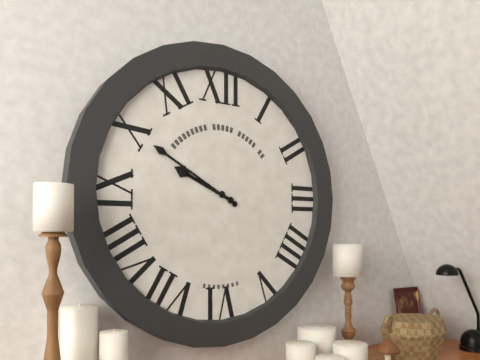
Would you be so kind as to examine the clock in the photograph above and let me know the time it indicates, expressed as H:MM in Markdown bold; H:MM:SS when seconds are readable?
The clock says **9:50**
